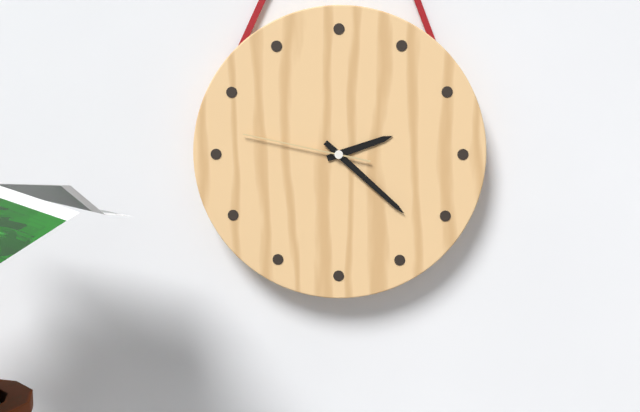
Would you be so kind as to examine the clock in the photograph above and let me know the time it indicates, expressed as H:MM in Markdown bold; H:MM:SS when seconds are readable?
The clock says **2:22:47**
